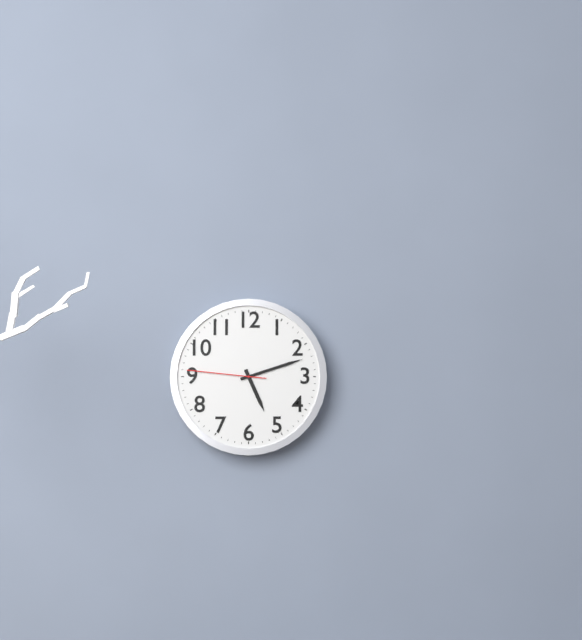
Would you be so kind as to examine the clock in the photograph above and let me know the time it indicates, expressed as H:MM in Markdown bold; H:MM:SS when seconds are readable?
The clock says **5:12:46**
